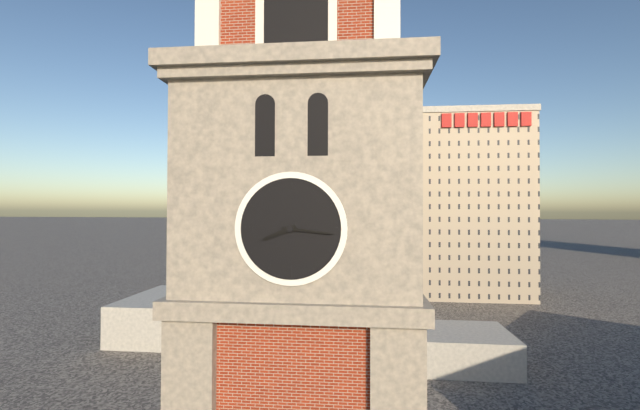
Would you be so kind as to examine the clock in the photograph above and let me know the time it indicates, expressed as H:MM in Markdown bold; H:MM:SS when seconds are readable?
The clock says **8:16**
